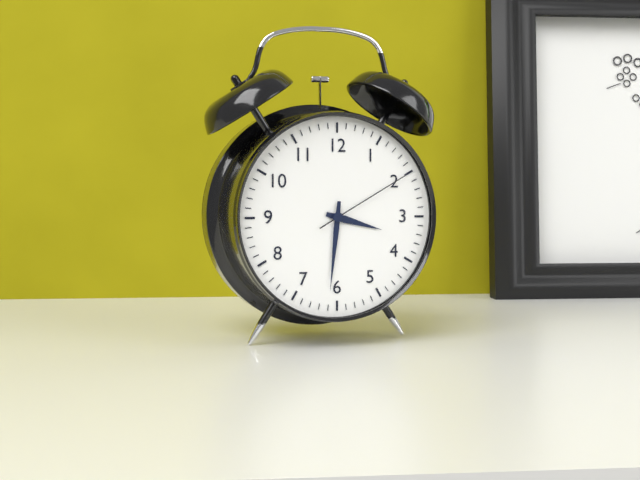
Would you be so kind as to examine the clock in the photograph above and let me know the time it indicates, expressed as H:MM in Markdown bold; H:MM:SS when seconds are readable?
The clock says **3:31:10**
